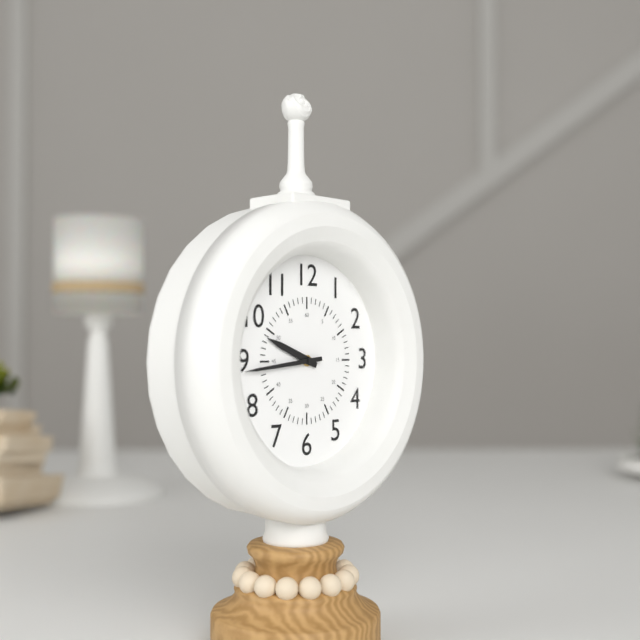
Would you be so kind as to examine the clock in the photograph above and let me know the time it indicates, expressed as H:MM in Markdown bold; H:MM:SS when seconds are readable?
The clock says **9:44**
